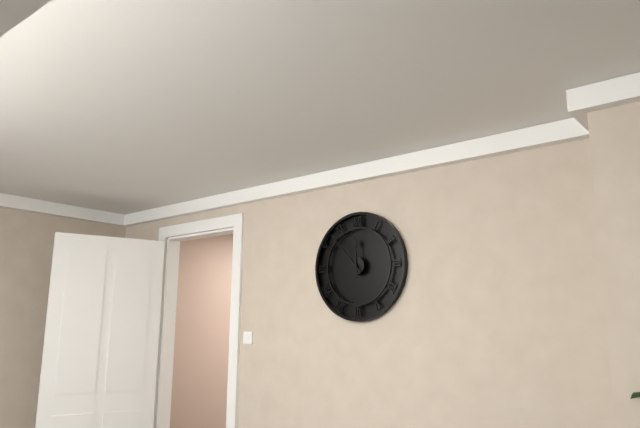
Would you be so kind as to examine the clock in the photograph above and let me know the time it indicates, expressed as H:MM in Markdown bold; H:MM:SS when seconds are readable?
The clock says **11:53**
